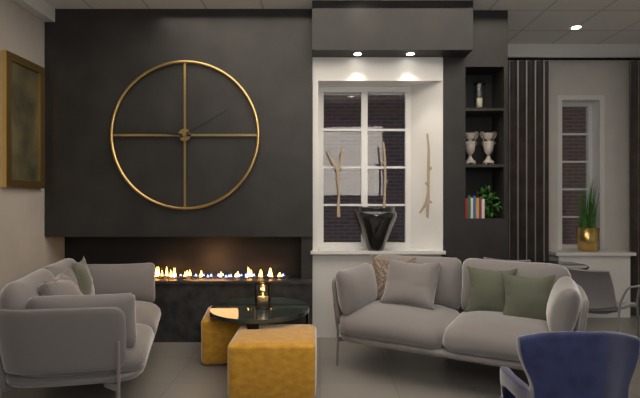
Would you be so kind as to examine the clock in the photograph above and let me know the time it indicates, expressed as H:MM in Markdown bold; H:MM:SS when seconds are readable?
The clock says **9:10**
